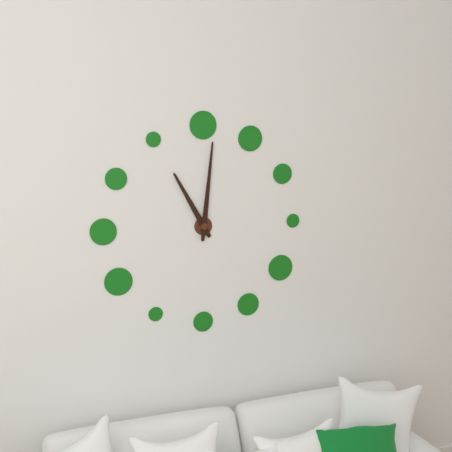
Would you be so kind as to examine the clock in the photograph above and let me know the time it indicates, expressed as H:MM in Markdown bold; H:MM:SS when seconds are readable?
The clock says **11:01**
